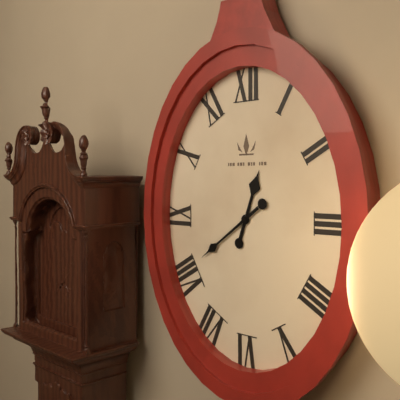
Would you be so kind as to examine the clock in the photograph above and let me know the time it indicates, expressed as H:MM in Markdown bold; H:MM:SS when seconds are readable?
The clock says **12:39**
